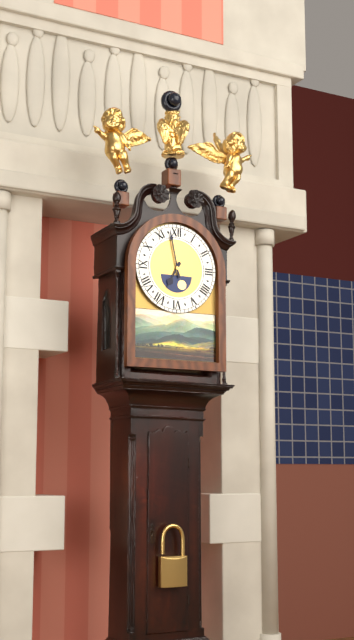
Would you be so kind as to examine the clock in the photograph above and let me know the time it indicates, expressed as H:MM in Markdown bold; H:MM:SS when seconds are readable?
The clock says **6:58**
